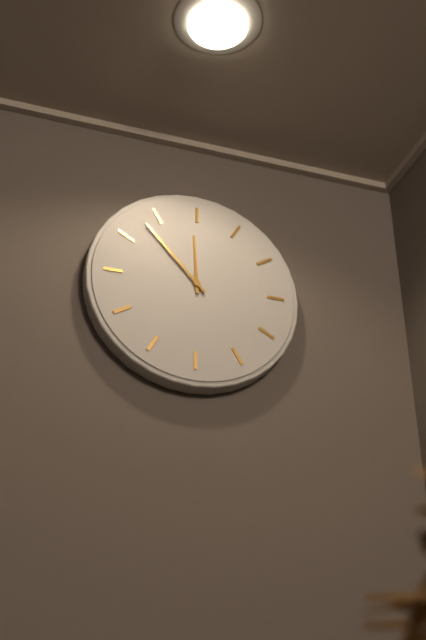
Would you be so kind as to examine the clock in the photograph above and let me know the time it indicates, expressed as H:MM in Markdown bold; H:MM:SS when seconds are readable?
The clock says **11:53**
